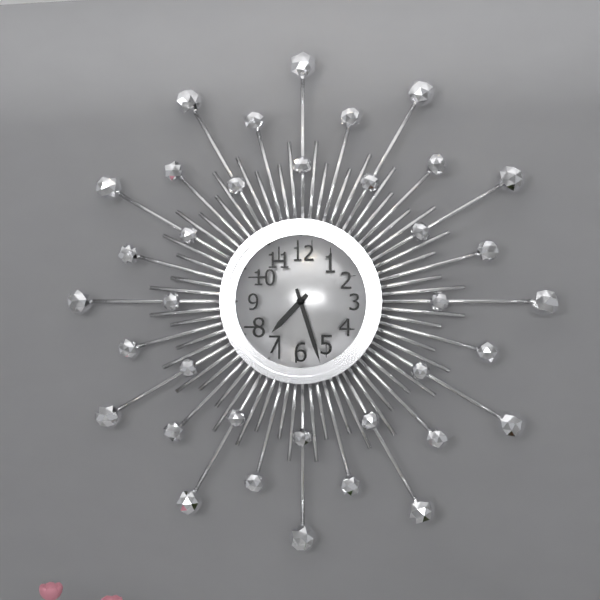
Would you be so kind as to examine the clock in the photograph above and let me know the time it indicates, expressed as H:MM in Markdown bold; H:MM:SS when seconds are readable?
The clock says **7:27**
